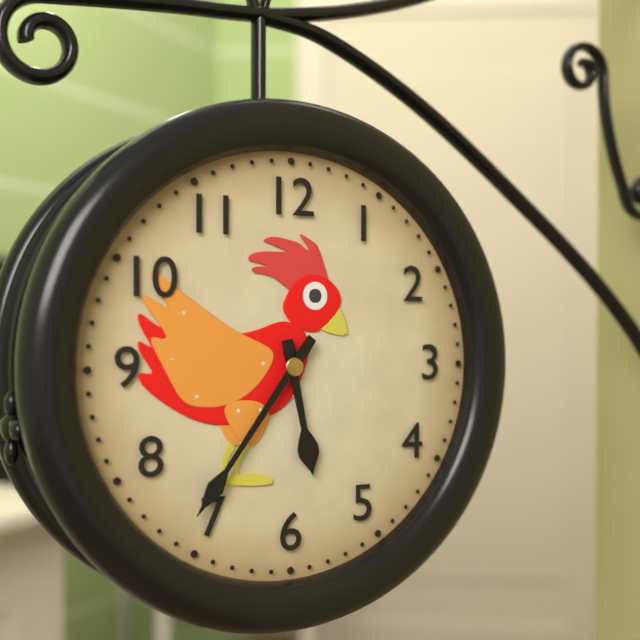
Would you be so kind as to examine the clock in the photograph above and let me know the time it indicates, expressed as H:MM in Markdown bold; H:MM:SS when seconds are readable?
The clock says **5:36**
